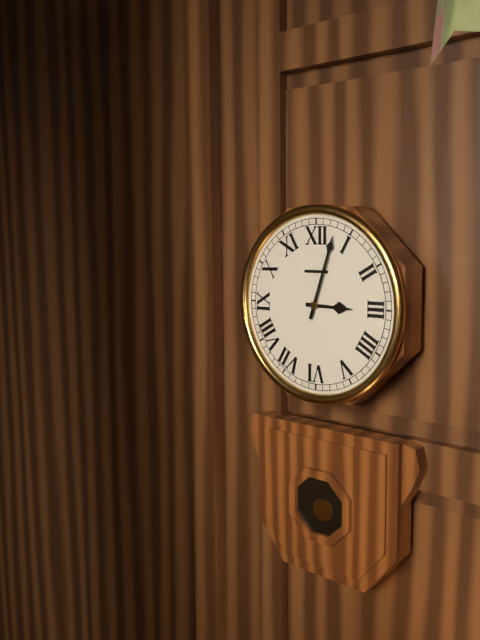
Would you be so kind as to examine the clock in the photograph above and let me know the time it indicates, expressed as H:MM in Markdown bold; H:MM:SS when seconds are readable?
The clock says **3:03**
